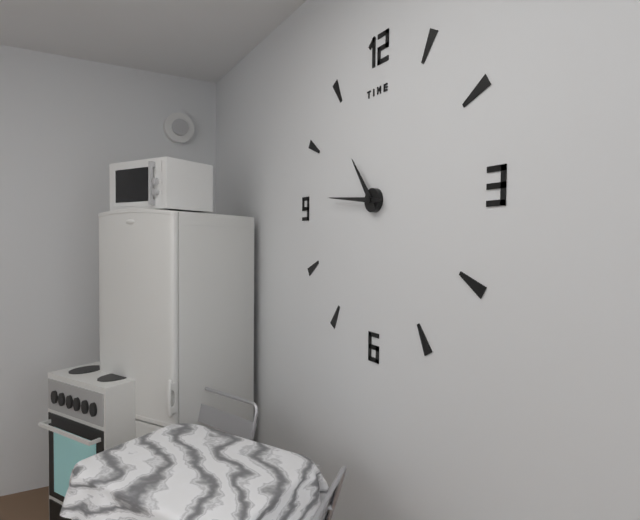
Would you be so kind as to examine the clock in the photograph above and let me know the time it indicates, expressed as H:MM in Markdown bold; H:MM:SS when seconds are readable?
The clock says **10:46**
